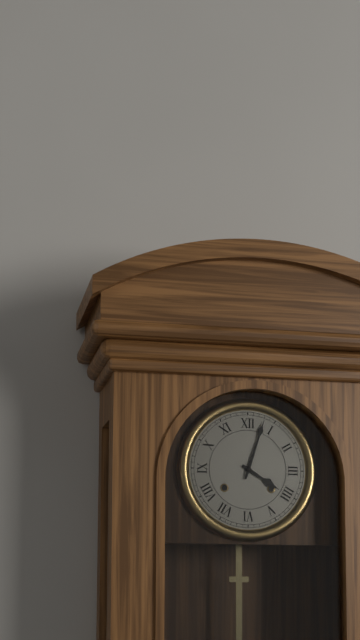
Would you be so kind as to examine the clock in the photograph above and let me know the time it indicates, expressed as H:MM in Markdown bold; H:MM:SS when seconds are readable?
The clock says **4:03**
